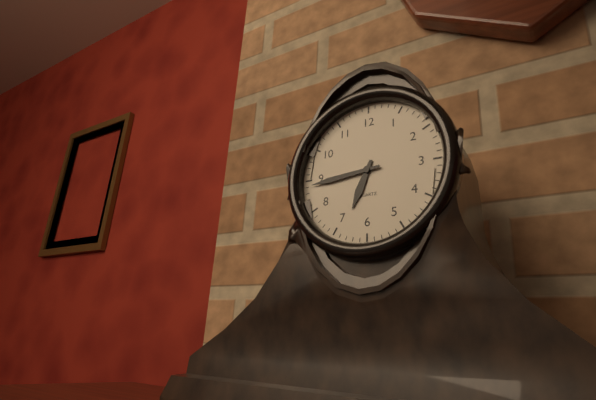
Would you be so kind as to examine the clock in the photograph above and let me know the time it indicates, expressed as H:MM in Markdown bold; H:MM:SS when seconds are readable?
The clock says **6:44**
